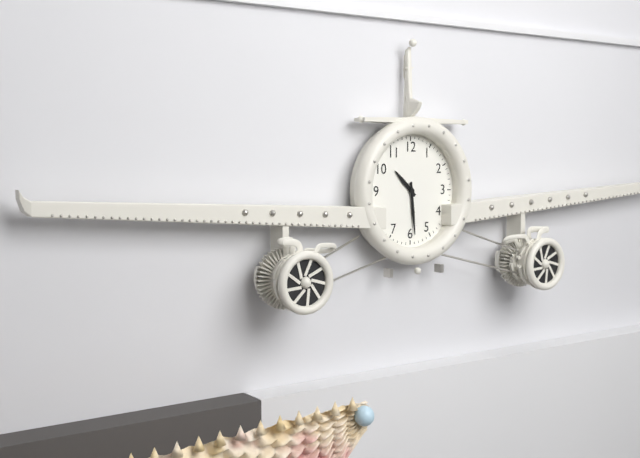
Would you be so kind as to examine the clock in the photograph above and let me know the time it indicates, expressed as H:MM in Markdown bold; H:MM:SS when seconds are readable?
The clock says **10:29**
